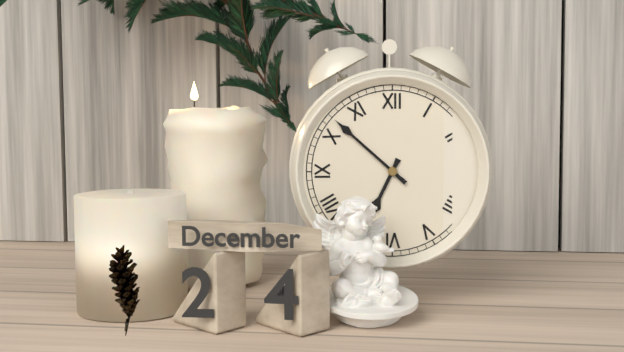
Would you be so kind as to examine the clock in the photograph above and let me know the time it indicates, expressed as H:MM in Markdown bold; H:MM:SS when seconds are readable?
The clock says **6:52**
